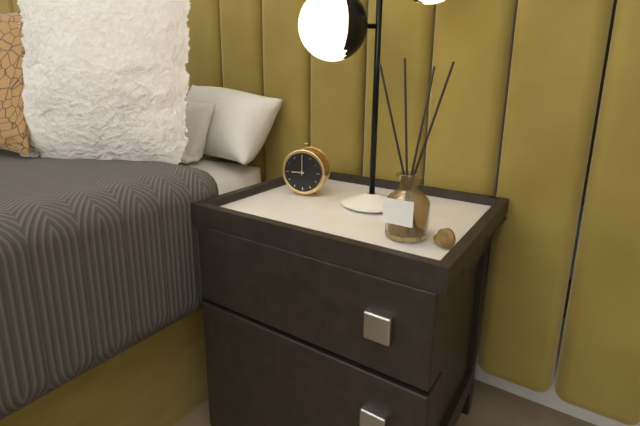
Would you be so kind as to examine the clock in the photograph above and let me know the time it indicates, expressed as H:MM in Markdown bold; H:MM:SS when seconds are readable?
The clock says **9:00**
